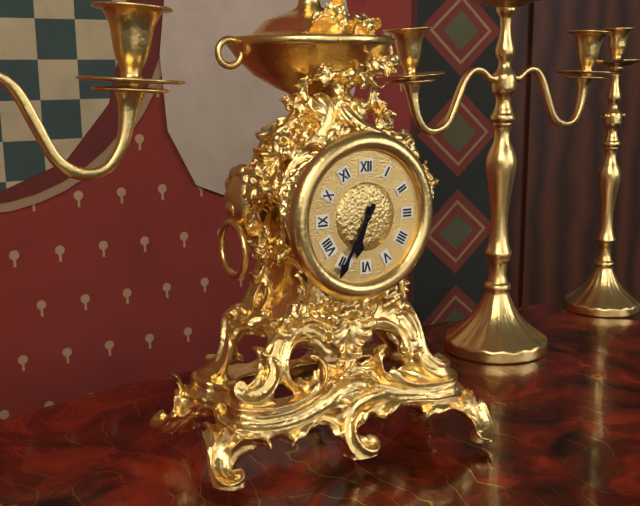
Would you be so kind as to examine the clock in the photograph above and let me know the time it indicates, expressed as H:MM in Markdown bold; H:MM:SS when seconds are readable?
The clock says **6:35**
